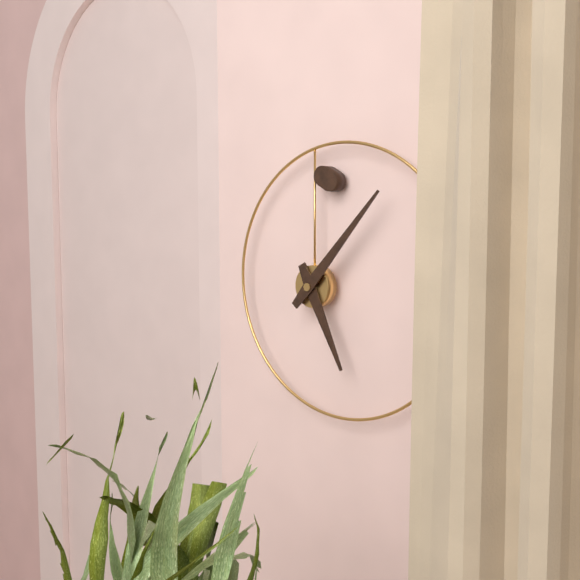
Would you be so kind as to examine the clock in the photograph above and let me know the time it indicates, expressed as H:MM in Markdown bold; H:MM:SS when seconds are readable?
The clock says **5:07**
